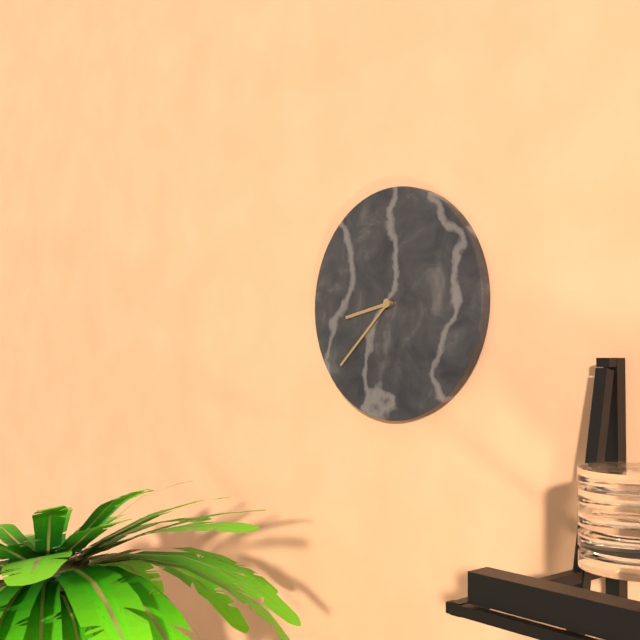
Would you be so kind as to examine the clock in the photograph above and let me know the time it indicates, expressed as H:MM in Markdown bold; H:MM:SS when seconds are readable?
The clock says **8:38**
